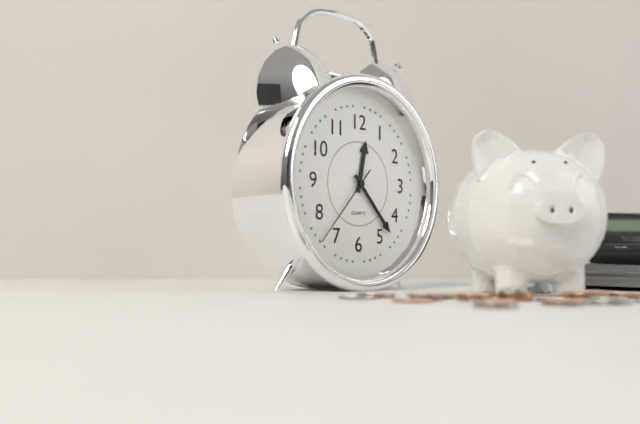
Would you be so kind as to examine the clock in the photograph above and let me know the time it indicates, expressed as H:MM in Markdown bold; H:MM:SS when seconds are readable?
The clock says **12:23:37**
